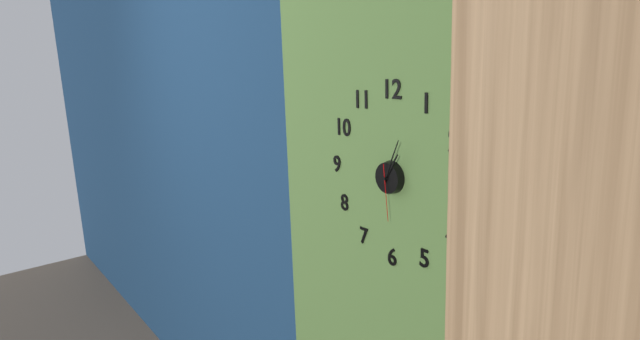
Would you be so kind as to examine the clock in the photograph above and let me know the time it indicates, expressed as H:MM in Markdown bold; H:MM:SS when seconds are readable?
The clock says **1:04:29**
